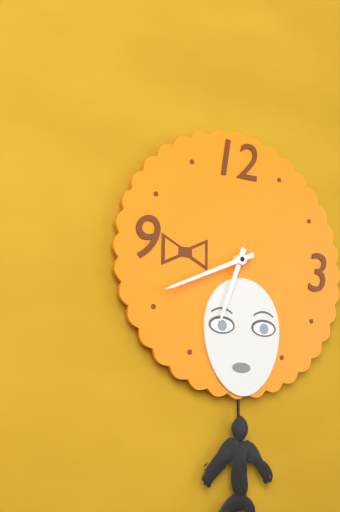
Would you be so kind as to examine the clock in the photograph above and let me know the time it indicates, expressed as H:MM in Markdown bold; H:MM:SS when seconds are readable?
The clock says **6:41**
